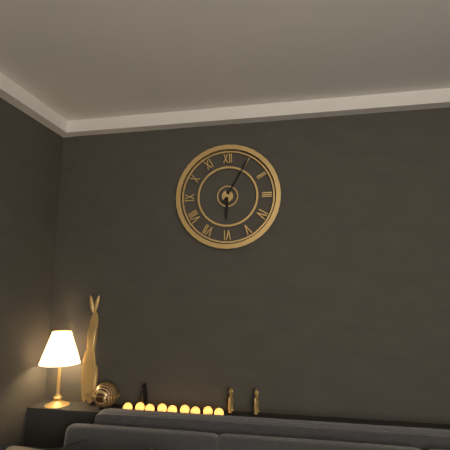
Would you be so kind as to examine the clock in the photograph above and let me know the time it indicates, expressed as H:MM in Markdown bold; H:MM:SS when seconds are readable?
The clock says **6:05**
